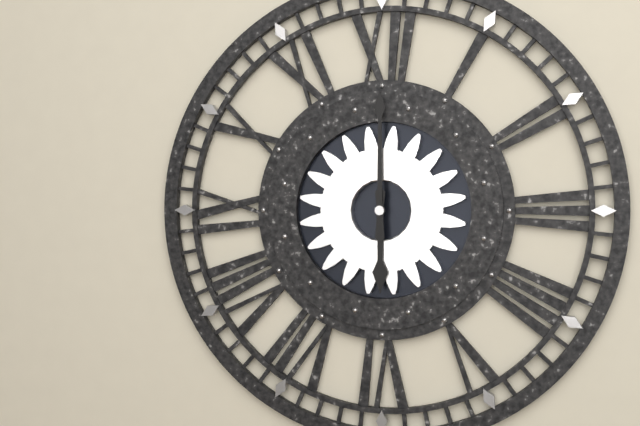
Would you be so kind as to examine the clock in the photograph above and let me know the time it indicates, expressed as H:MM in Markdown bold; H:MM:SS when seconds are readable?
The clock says **6:00**
